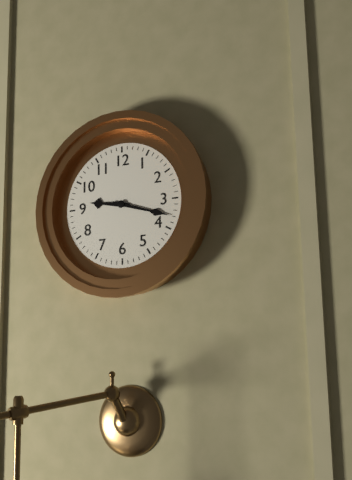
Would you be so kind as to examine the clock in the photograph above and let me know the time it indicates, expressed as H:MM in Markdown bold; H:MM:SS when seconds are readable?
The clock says **9:18**
